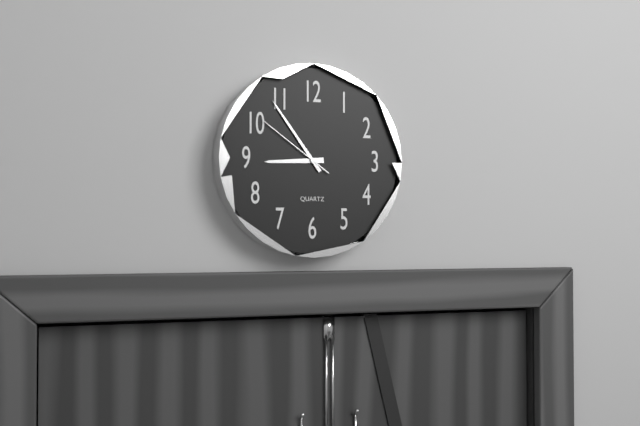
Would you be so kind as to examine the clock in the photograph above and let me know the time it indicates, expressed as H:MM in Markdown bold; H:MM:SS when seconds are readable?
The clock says **8:54:51**
